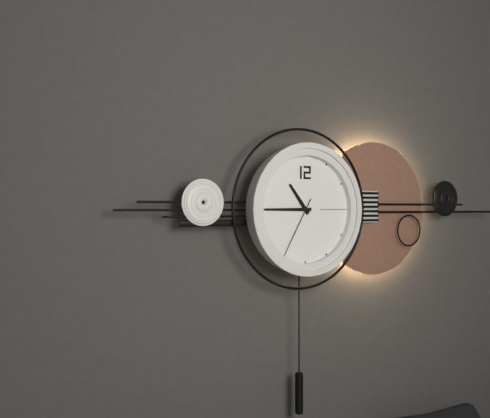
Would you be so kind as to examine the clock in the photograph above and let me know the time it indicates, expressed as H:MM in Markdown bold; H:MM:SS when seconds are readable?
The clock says **10:45:35**
